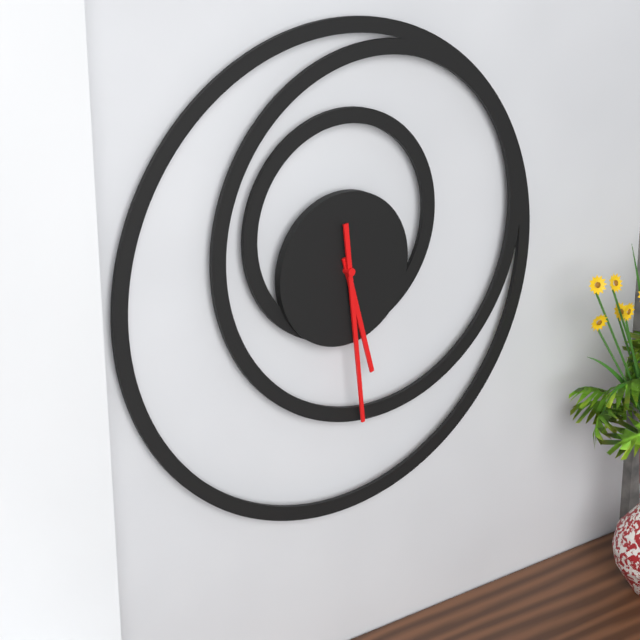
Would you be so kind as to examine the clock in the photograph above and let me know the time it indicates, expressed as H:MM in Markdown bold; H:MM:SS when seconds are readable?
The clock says **5:29**
